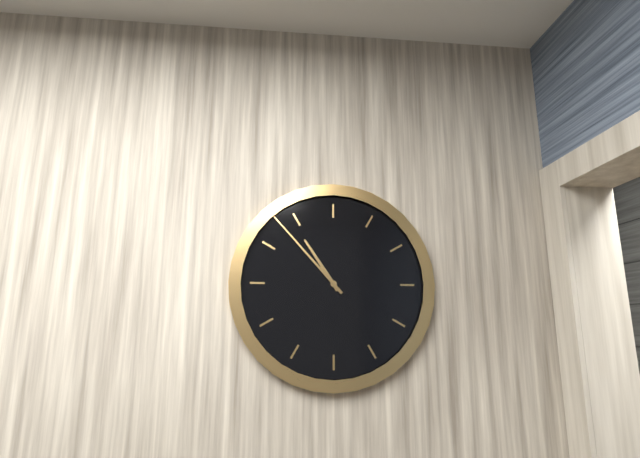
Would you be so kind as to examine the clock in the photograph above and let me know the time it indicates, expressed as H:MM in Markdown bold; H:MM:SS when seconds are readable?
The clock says **10:53**
